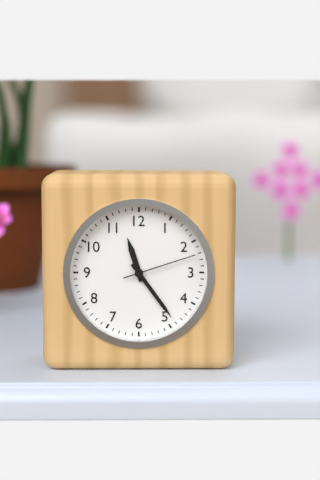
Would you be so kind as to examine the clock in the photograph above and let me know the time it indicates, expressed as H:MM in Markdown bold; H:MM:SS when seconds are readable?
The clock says **11:24:12**
